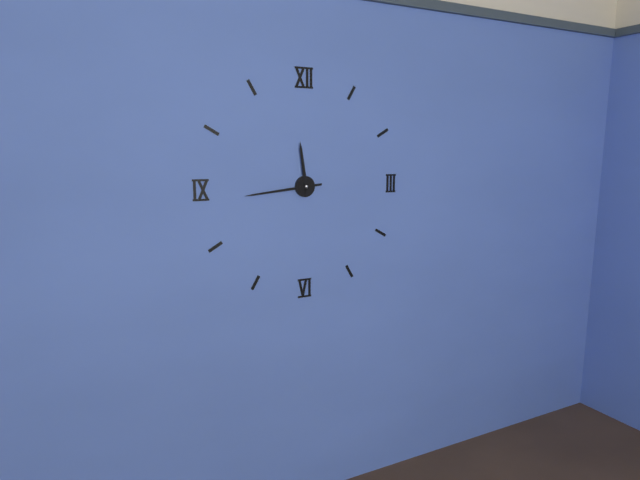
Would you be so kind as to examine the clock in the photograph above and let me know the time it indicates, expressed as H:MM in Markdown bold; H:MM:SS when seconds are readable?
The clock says **11:44**
